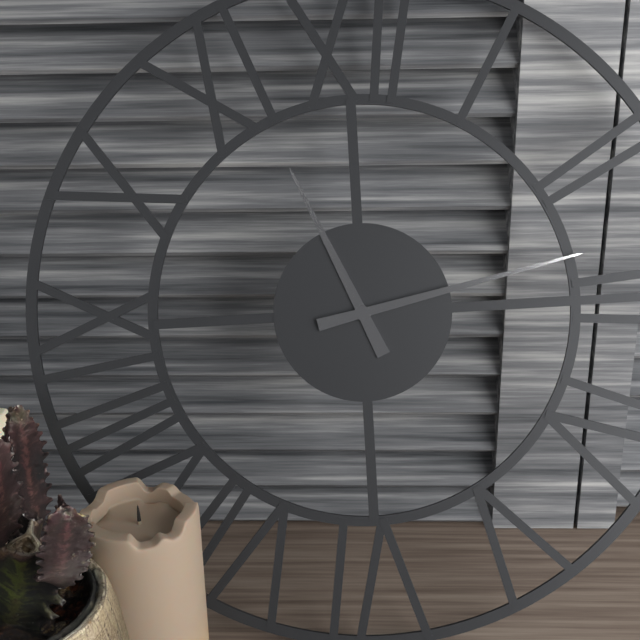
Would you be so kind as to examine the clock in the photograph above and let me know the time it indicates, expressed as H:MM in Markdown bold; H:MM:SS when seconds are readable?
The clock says **11:13**
